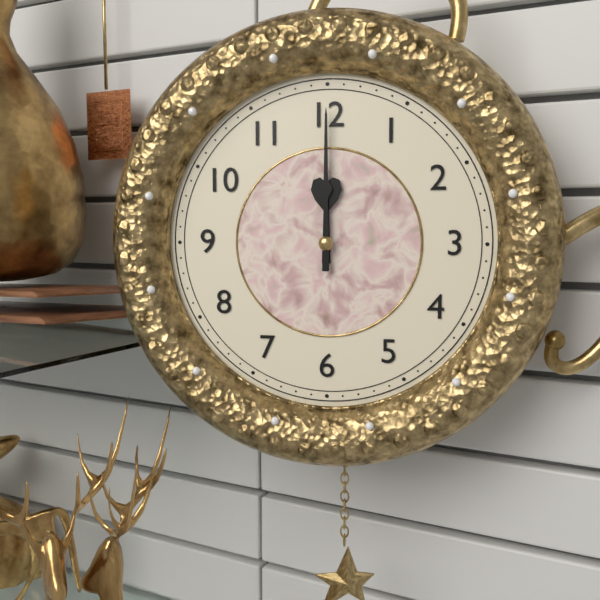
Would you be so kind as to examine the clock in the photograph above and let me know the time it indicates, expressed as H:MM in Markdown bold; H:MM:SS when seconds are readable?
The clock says **12:00**
